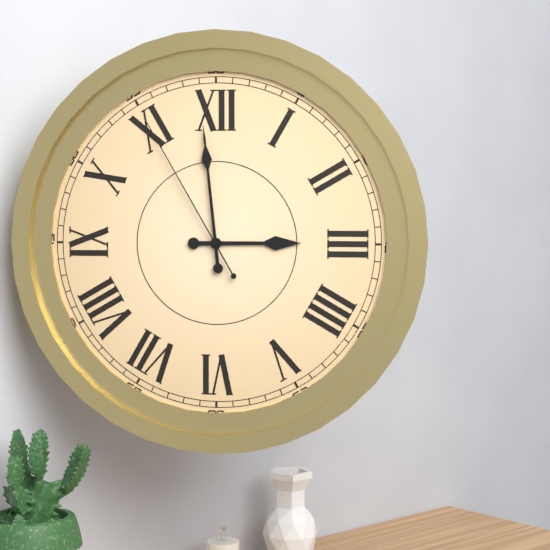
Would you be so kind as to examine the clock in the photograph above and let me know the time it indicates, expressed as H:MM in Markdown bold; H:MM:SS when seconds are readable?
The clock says **2:59:55**
